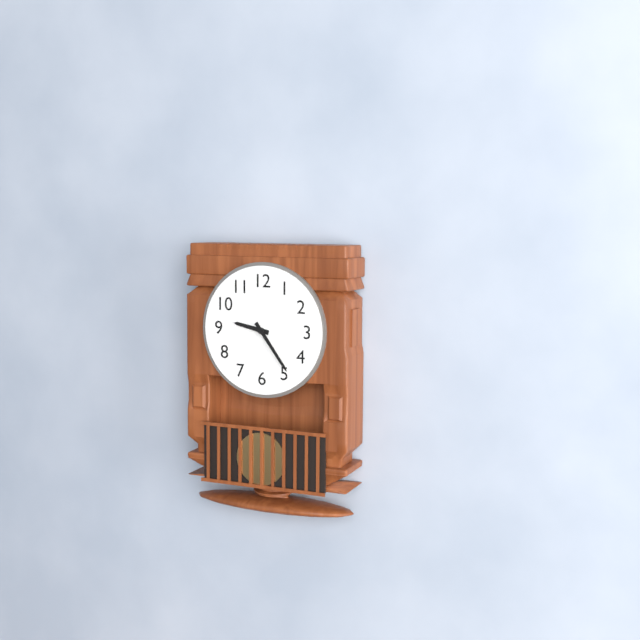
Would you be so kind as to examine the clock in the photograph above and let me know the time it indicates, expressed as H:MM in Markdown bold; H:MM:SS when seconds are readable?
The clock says **9:24**
